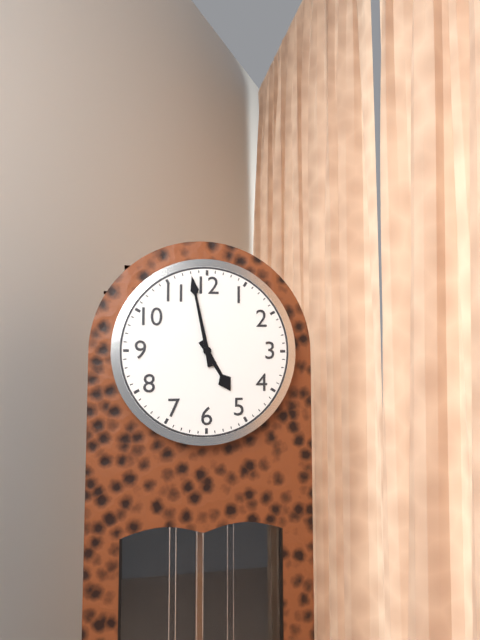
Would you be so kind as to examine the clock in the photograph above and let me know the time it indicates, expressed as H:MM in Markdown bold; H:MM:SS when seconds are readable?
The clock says **4:58**
